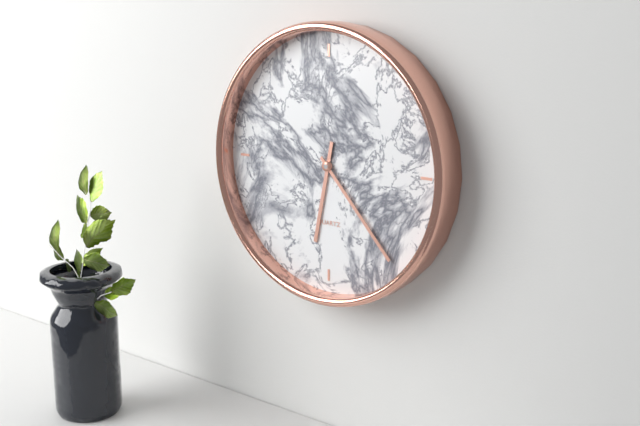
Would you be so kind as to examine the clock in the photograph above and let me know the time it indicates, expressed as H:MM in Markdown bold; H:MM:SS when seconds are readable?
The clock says **6:23**
